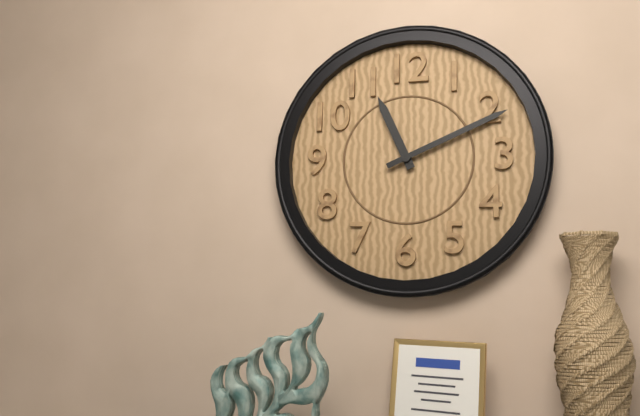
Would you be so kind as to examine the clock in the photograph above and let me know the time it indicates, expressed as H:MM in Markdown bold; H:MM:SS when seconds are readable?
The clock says **11:11**
